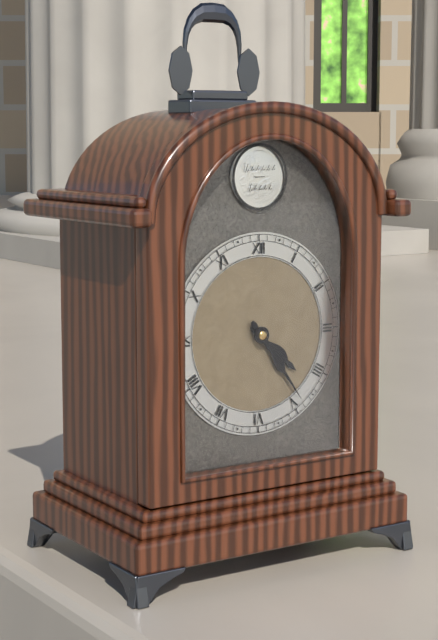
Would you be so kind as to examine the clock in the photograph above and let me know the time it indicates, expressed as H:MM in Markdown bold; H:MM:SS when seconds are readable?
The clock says **4:24**
